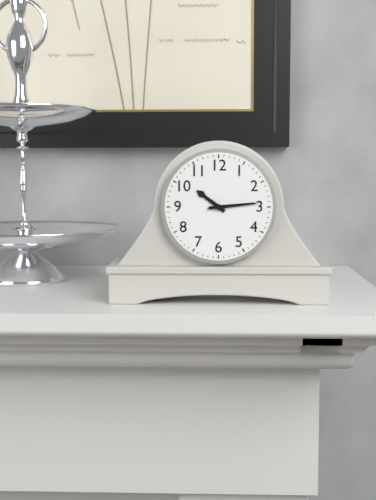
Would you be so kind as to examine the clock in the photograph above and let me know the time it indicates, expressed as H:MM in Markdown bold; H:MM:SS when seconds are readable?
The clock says **10:14**
